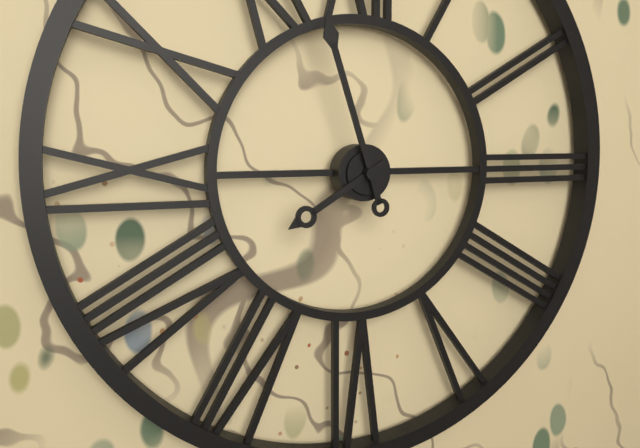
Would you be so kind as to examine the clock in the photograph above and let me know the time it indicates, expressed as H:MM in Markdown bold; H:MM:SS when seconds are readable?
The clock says **7:57**
